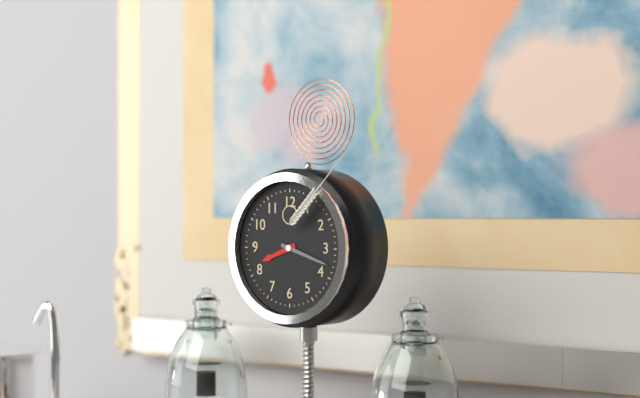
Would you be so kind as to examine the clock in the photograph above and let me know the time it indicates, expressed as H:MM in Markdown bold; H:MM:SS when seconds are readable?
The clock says **8:18**
